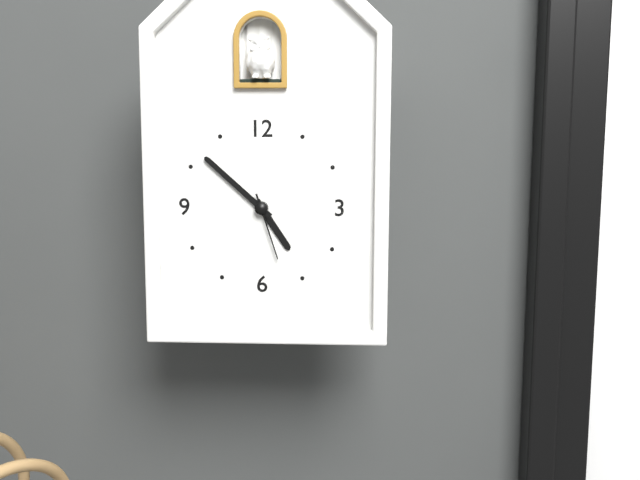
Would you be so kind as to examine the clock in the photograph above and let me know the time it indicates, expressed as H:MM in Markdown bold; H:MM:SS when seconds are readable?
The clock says **4:52:27**
